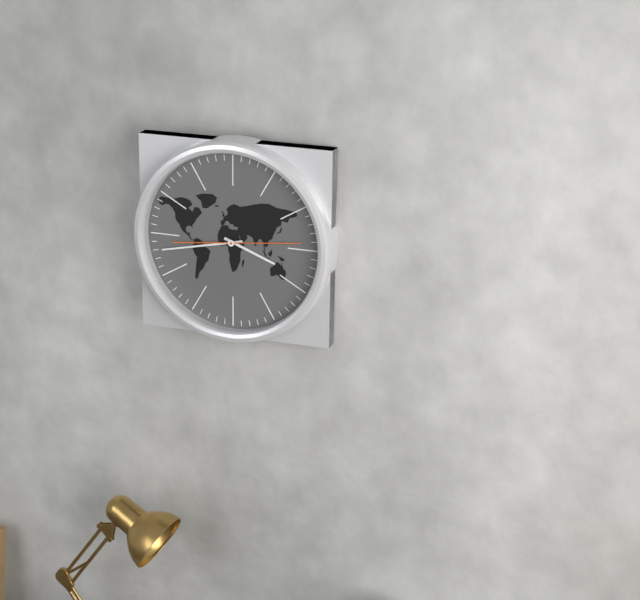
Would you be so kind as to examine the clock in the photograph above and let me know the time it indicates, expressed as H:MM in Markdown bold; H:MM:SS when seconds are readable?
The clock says **3:43:14**
